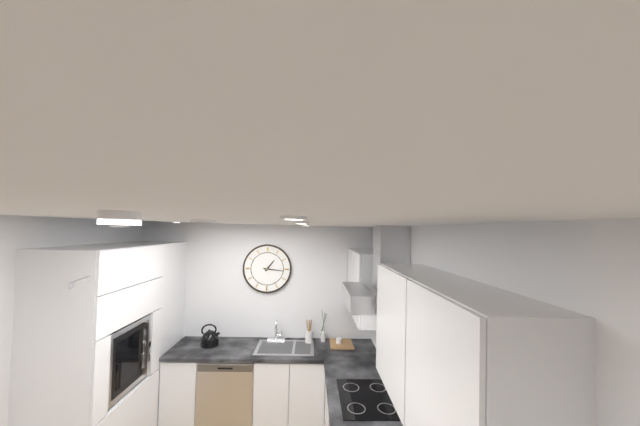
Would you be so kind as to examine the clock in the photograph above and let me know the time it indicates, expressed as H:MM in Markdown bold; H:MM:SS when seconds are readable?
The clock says **1:16**
